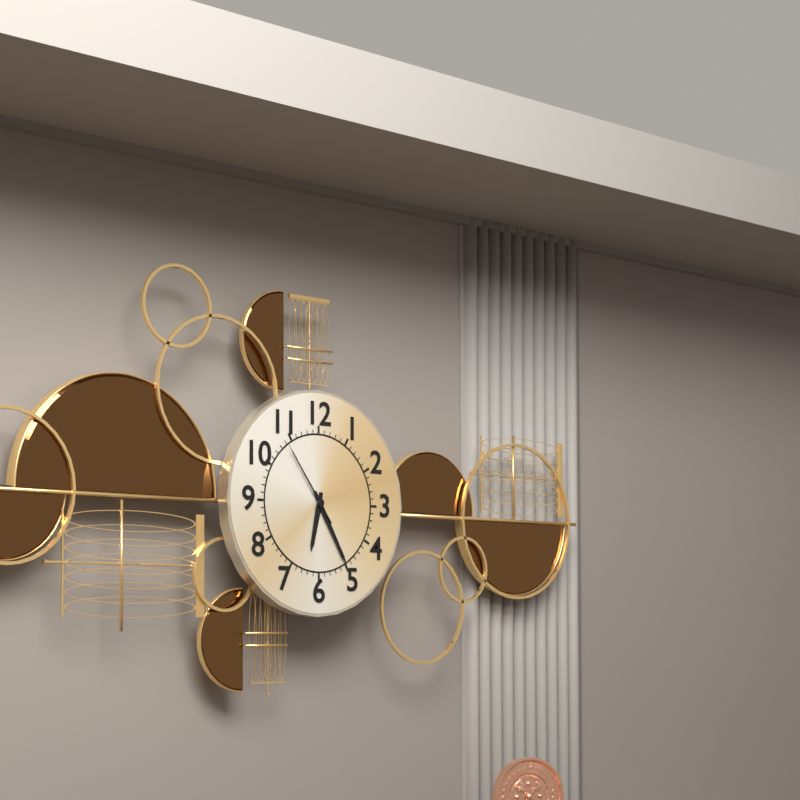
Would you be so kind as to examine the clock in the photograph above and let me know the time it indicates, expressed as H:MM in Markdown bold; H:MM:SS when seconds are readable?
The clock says **6:25:54**
